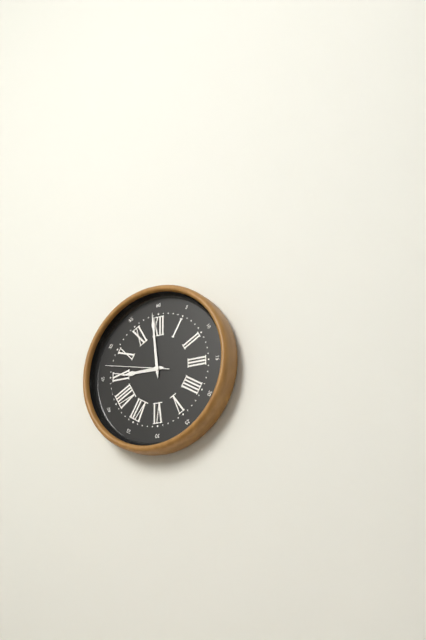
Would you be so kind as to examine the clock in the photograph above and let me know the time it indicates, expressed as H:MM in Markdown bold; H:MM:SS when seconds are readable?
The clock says **8:59:47**
